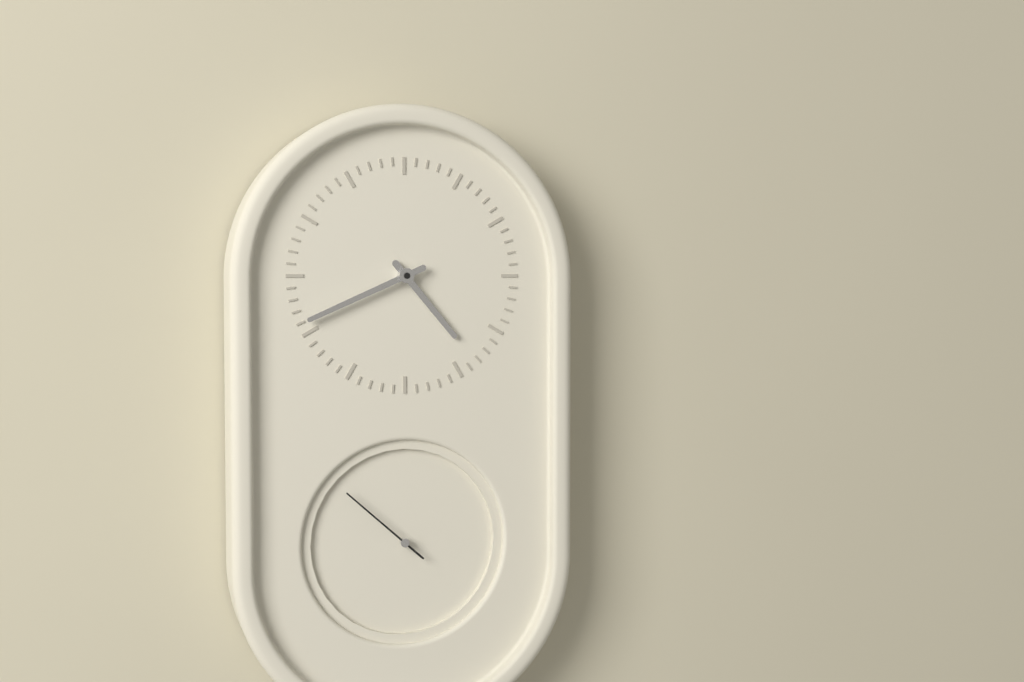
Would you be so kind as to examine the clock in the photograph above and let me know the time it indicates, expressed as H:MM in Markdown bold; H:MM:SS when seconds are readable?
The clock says **4:41:52**
